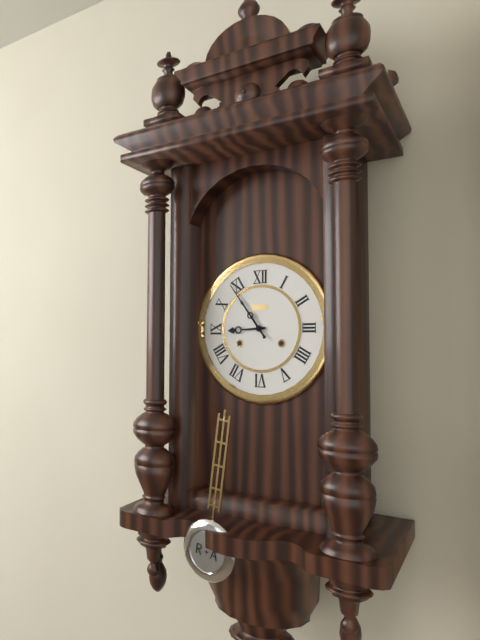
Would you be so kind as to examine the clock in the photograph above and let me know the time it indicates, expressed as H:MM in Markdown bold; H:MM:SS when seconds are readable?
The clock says **8:54**
